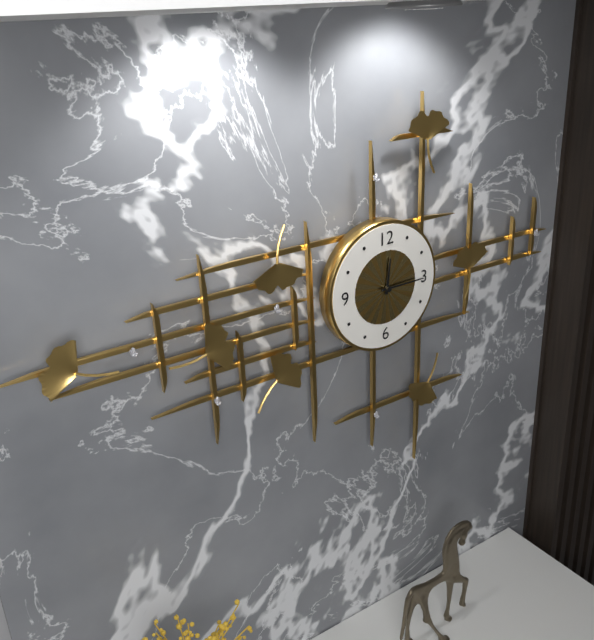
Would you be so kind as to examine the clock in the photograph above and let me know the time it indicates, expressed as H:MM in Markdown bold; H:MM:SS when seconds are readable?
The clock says **12:15**
